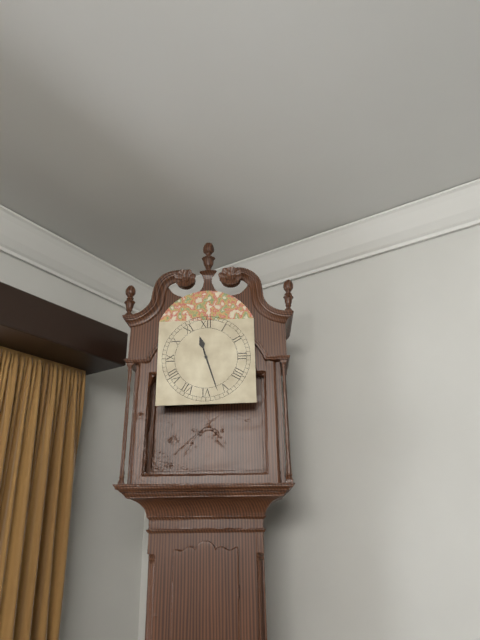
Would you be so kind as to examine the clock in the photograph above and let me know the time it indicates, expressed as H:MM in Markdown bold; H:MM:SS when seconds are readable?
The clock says **11:27**
